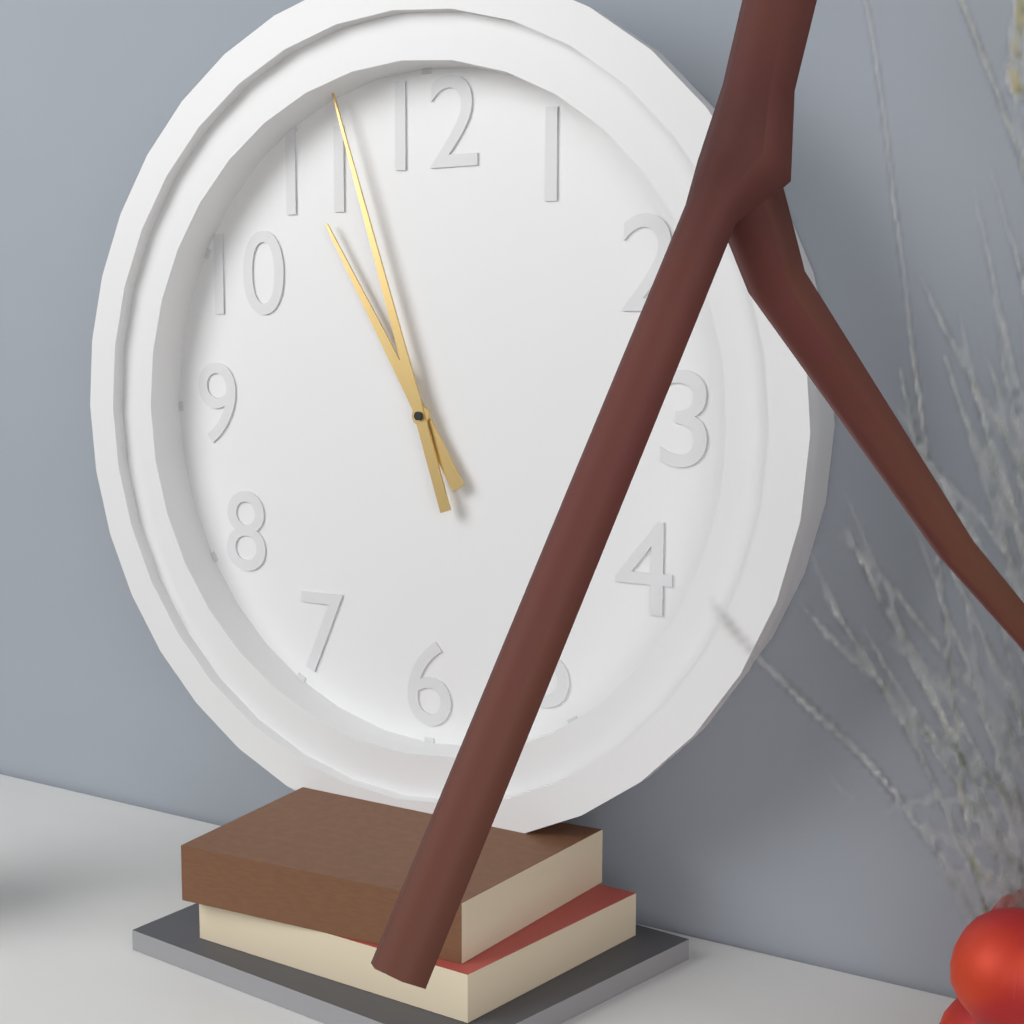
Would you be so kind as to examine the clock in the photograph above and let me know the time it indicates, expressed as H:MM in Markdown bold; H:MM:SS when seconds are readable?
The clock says **10:57**
